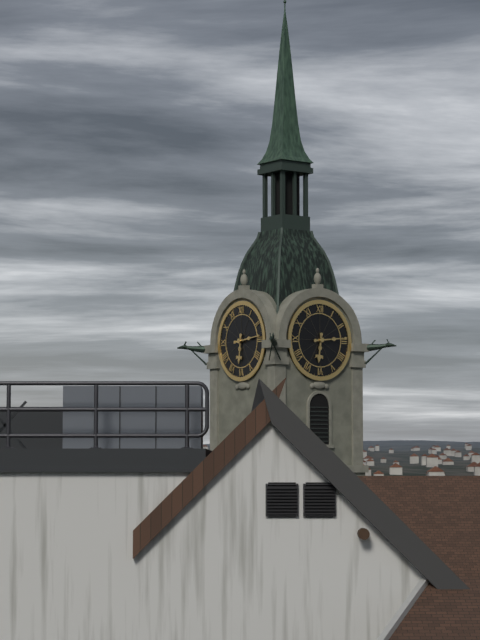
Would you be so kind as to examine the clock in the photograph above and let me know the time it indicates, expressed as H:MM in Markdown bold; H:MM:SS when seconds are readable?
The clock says **6:14**
